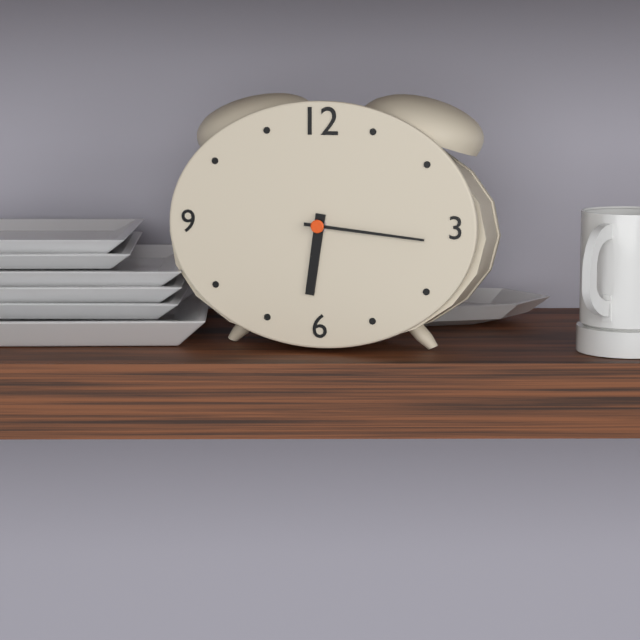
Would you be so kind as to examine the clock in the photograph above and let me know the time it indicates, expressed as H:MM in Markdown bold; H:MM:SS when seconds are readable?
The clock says **6:16**
